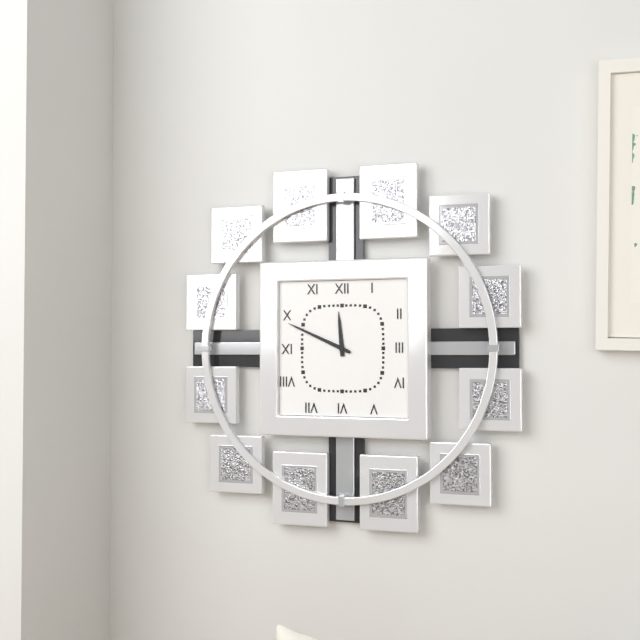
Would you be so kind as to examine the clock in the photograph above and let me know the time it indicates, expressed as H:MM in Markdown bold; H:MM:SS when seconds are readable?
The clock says **11:49**
